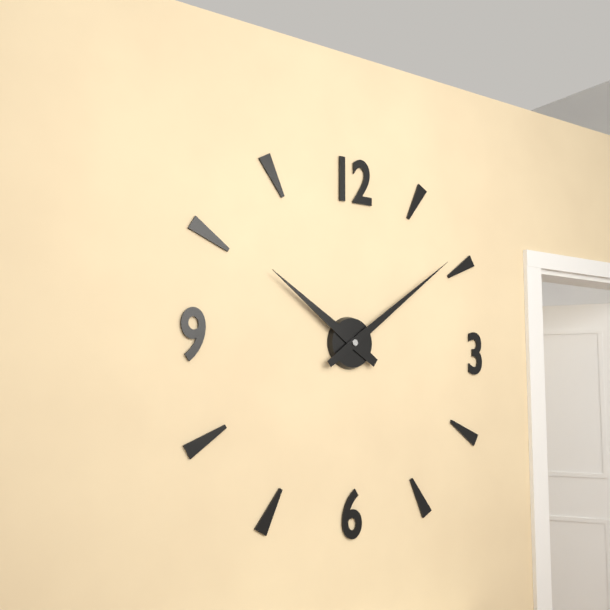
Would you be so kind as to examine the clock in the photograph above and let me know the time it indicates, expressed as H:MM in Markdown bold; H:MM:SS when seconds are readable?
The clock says **10:09**
